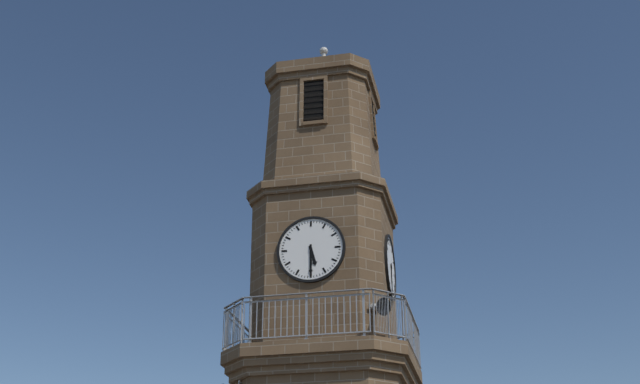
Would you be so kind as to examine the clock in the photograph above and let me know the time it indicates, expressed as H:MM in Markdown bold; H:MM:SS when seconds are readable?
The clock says **5:30**
